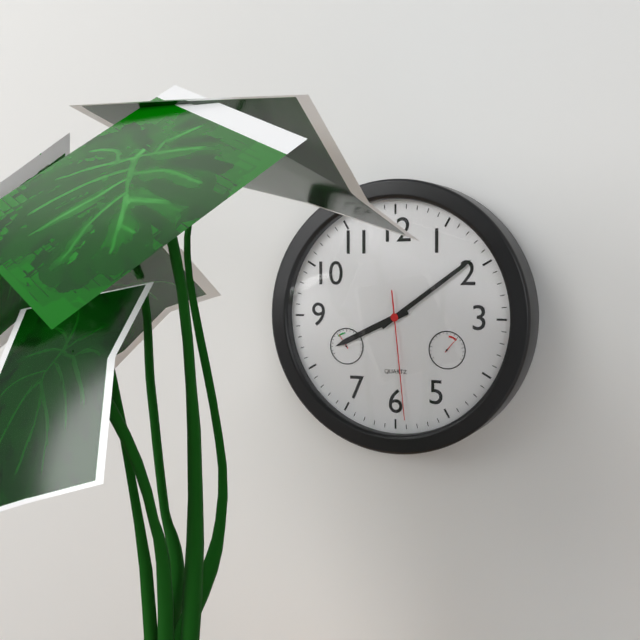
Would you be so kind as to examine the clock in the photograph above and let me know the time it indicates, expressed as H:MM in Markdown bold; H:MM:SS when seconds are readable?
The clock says **8:09:29**
